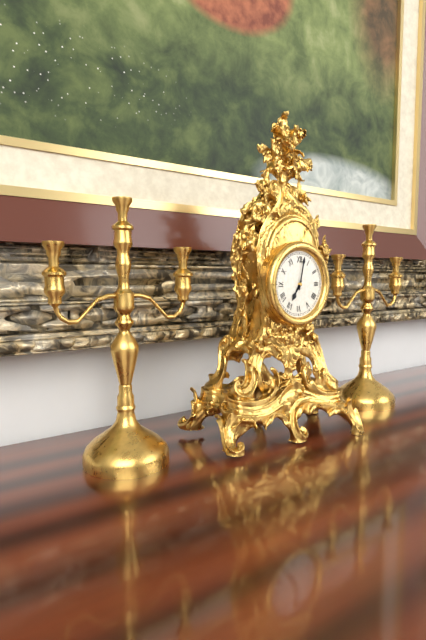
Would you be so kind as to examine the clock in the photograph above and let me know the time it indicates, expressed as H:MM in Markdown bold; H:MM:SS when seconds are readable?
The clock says **7:02**
